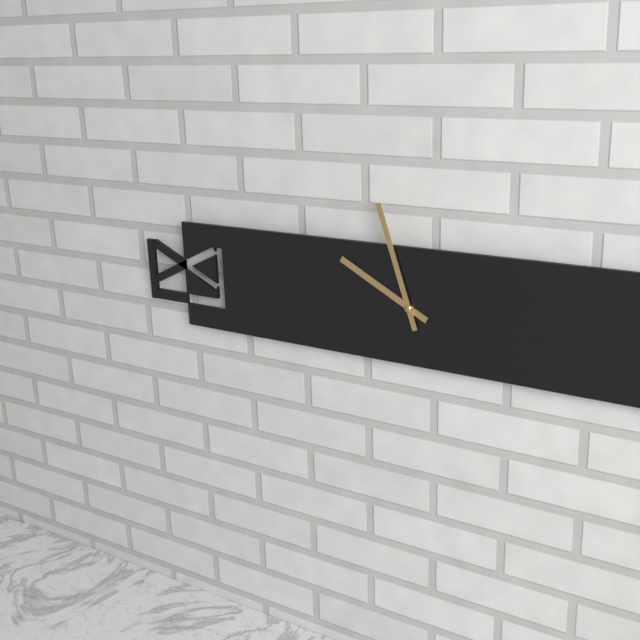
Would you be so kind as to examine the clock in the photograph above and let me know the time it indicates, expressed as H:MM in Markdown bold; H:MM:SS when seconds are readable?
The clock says **9:57**
